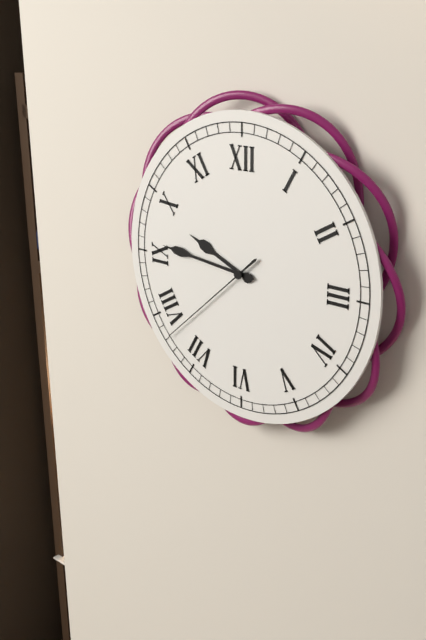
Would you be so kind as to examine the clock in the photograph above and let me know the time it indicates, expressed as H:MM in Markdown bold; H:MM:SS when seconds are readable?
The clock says **9:46:38**
